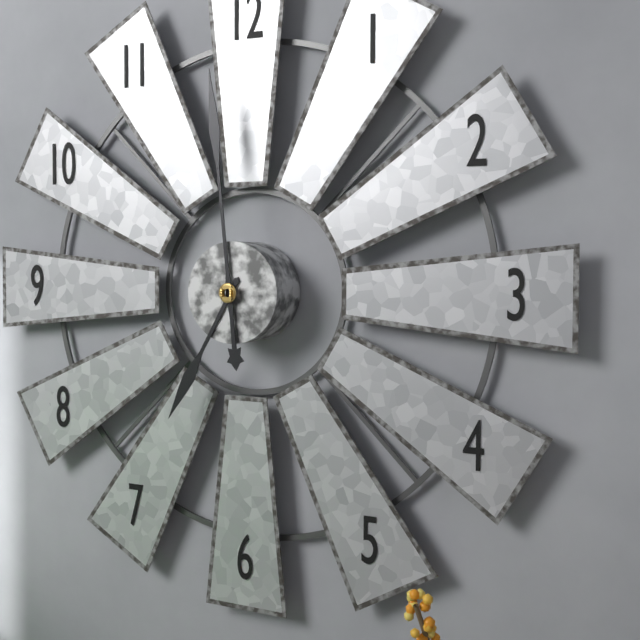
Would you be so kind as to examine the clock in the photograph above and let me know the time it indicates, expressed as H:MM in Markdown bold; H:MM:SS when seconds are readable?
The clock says **6:59**
